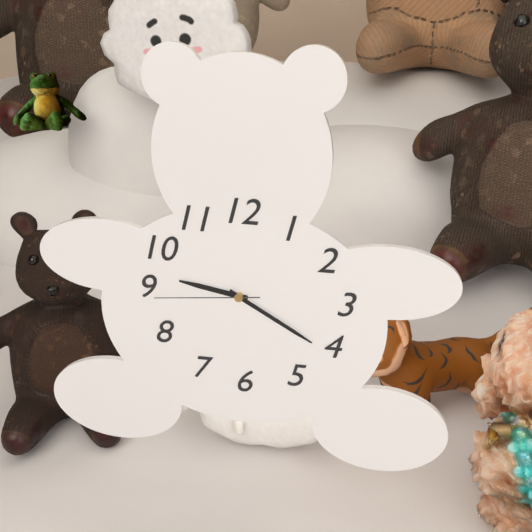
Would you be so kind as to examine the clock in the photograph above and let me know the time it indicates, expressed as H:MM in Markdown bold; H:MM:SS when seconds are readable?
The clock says **9:20:44**
